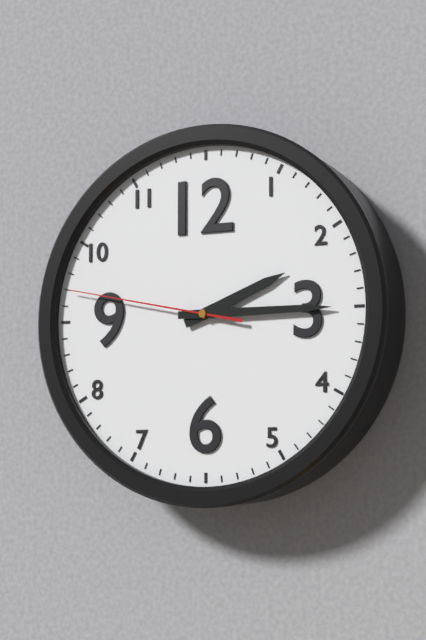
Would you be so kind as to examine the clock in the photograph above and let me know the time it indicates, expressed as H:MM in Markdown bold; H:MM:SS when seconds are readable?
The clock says **2:15:47**
